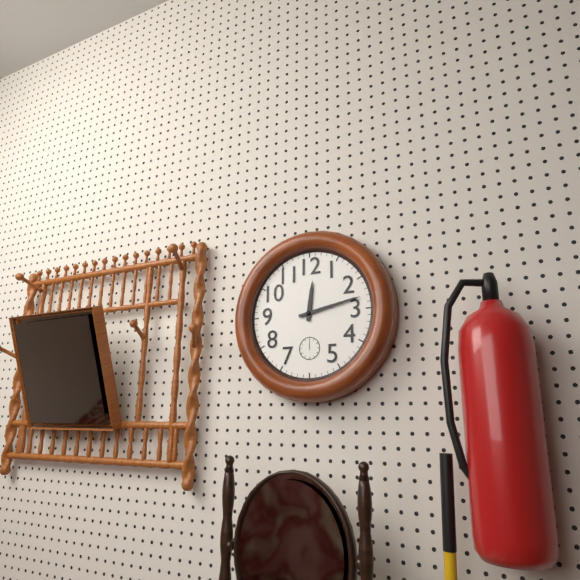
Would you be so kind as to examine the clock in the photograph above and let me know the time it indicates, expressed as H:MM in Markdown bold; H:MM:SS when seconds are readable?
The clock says **12:13**
